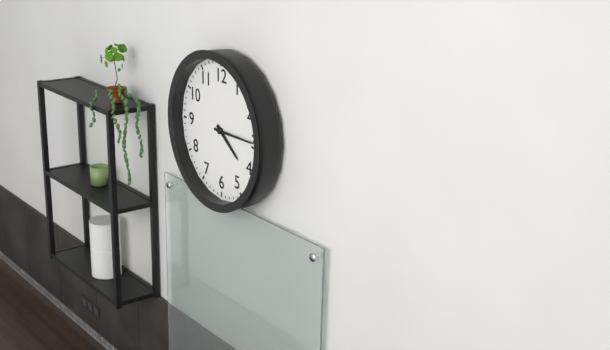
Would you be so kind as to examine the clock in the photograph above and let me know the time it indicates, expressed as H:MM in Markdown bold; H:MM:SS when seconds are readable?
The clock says **4:15**
